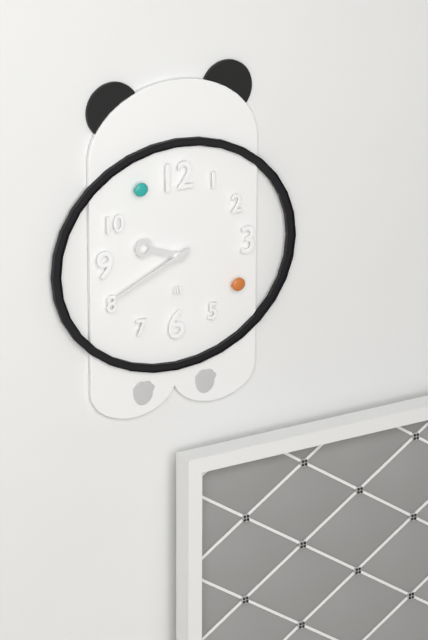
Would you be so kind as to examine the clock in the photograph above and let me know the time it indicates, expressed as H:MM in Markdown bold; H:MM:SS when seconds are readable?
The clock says **9:41**
